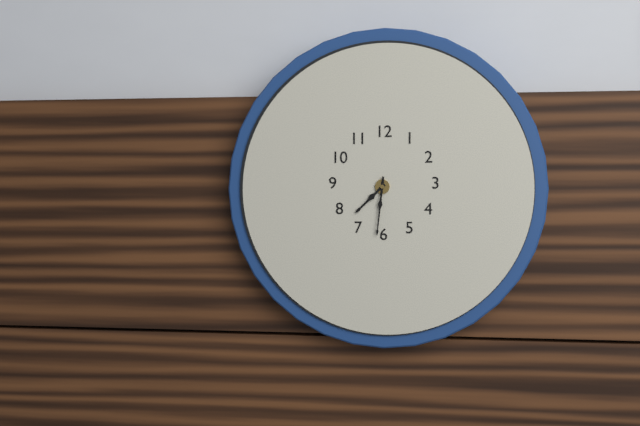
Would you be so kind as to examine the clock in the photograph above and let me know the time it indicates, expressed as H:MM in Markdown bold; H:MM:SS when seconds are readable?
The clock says **7:31**
